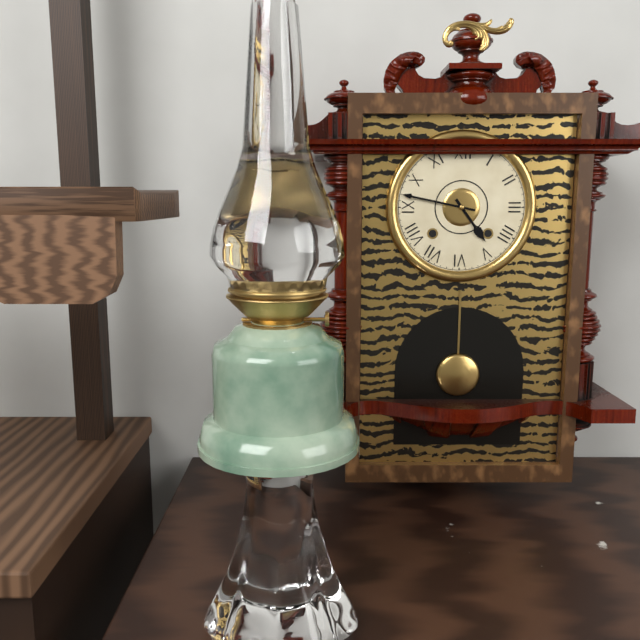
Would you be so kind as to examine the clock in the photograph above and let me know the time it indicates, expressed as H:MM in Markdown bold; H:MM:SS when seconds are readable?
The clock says **4:47**
